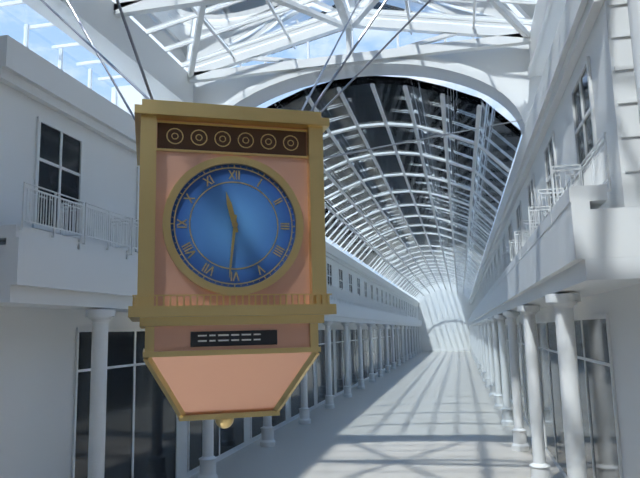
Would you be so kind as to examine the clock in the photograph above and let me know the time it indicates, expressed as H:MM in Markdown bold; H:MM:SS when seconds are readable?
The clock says **11:31**
